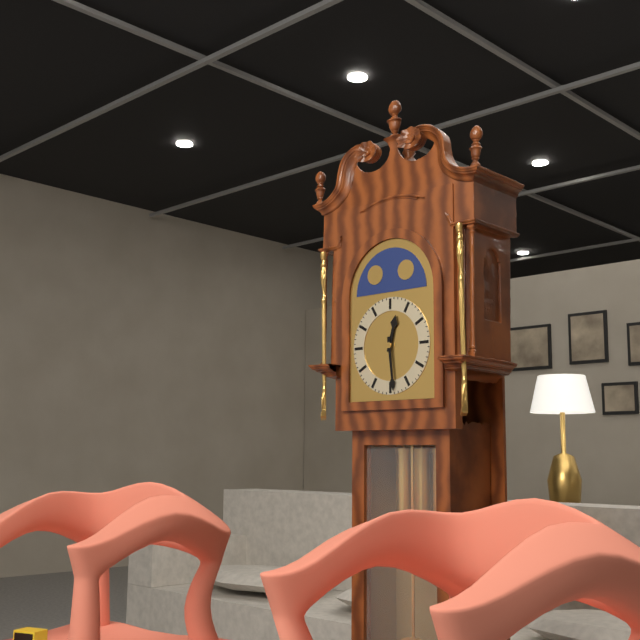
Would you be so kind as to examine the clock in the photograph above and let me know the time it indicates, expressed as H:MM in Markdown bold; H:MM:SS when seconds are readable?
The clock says **12:29**
